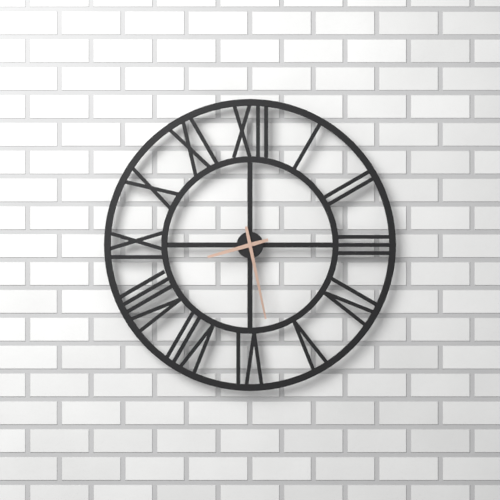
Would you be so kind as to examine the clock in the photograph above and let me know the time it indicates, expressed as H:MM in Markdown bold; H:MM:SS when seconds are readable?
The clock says **8:28**
